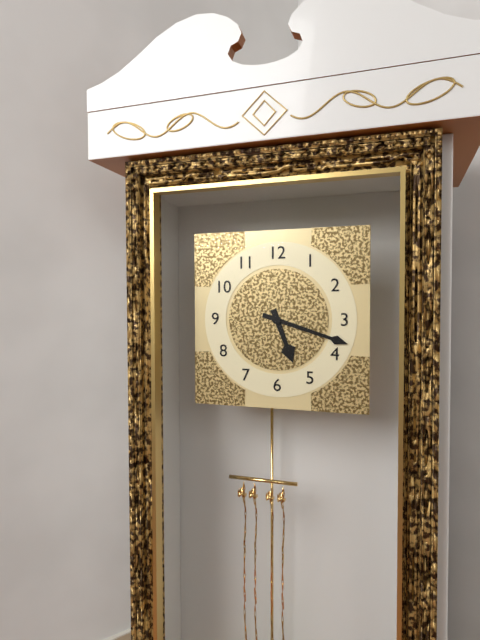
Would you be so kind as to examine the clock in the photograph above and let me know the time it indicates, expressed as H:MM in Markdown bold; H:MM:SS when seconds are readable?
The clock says **5:18**
